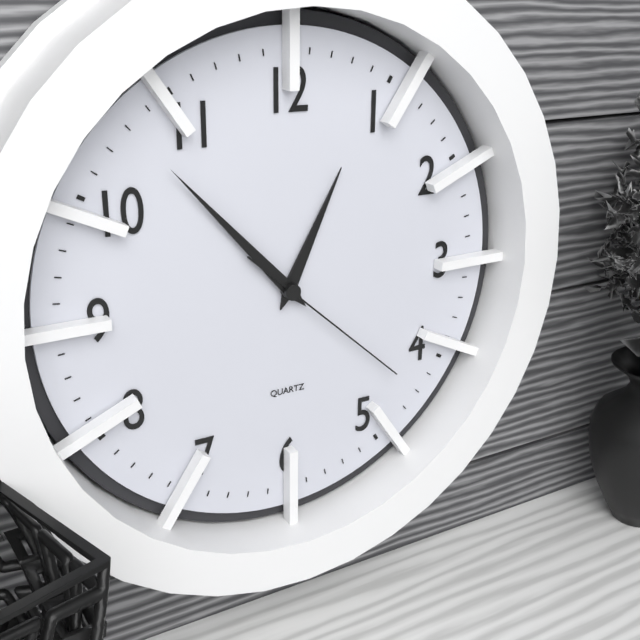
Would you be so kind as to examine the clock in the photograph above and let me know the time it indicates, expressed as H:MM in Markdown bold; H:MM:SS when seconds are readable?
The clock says **12:53:22**
